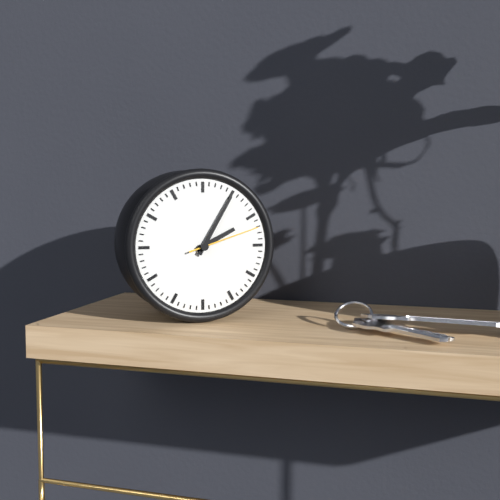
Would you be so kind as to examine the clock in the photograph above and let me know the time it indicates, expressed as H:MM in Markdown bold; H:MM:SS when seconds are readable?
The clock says **2:05:12**
